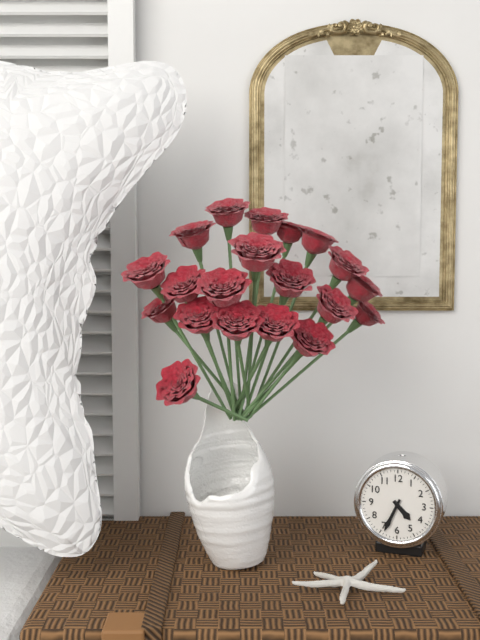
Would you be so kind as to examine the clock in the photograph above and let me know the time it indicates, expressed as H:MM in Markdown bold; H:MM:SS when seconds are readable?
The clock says **4:34**
